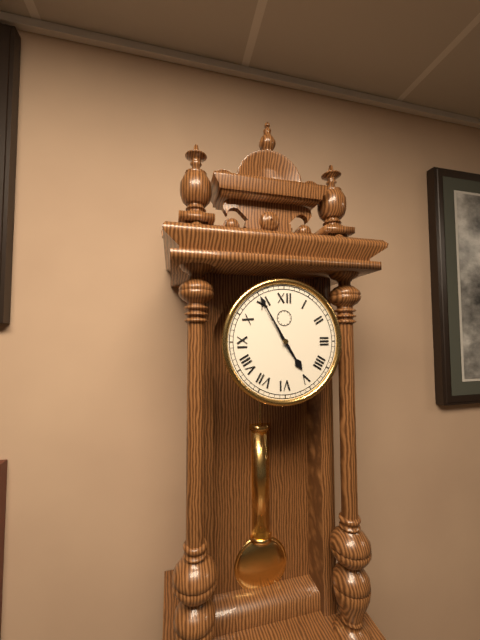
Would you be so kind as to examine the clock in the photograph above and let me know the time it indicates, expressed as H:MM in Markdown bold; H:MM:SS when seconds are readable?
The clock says **4:55**
